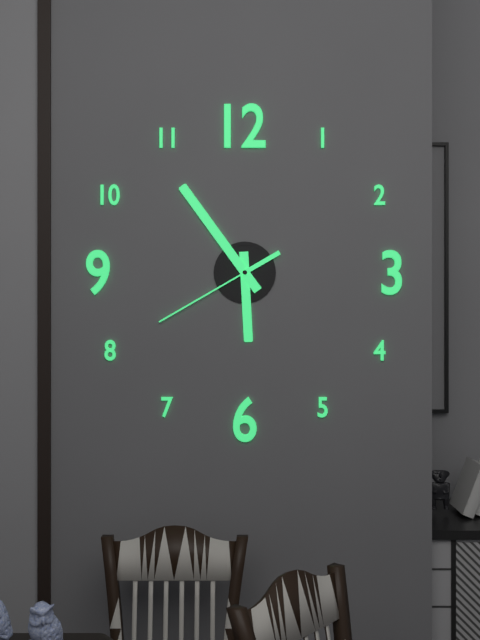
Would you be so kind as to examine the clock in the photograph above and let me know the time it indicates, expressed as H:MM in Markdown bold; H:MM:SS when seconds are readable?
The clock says **5:54:40**
